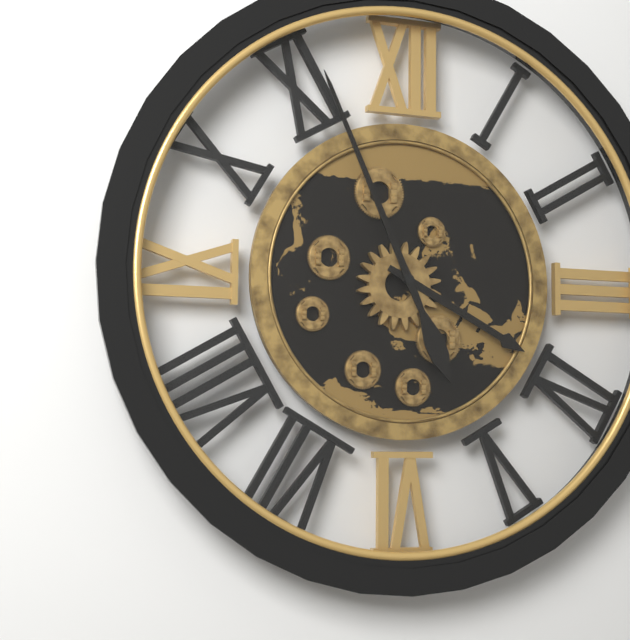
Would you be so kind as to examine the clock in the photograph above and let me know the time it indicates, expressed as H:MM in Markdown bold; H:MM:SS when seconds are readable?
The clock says **3:56**
